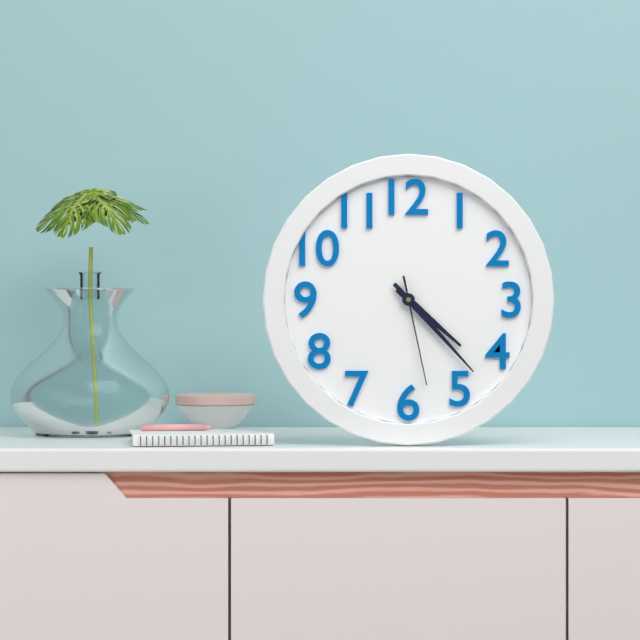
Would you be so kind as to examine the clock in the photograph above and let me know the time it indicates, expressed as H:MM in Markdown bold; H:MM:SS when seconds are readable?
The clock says **4:23:28**
